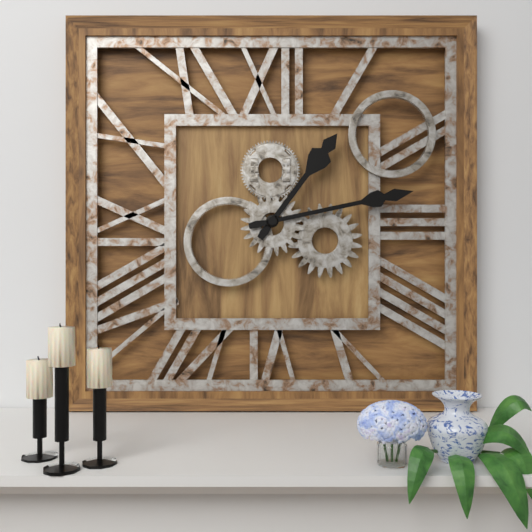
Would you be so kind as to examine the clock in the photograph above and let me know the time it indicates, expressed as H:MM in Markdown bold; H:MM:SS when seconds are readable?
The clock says **1:13**
